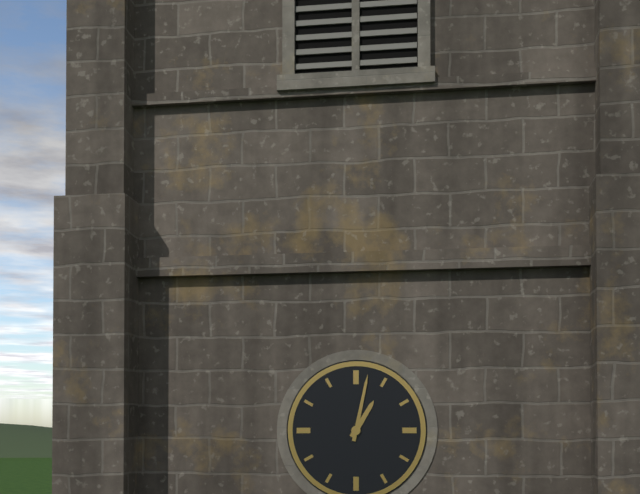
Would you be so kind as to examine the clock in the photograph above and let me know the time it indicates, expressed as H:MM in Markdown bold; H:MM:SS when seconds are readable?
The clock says **1:02**
